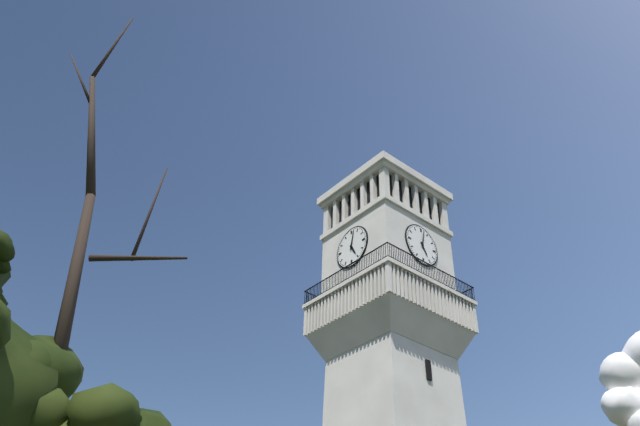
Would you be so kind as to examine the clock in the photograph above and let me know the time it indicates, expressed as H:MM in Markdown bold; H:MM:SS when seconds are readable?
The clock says **5:02**
